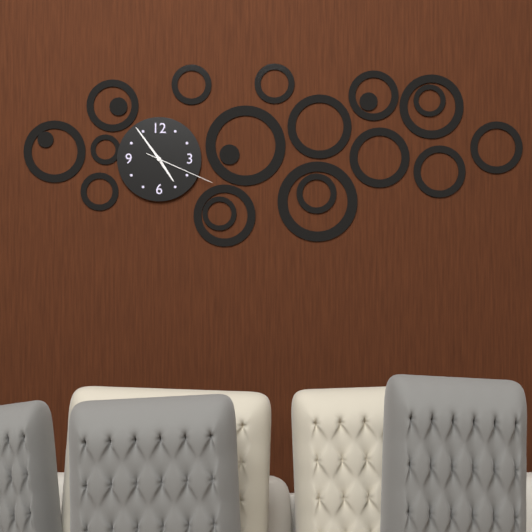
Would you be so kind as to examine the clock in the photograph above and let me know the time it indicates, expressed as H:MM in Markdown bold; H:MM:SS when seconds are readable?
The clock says **4:54:19**
